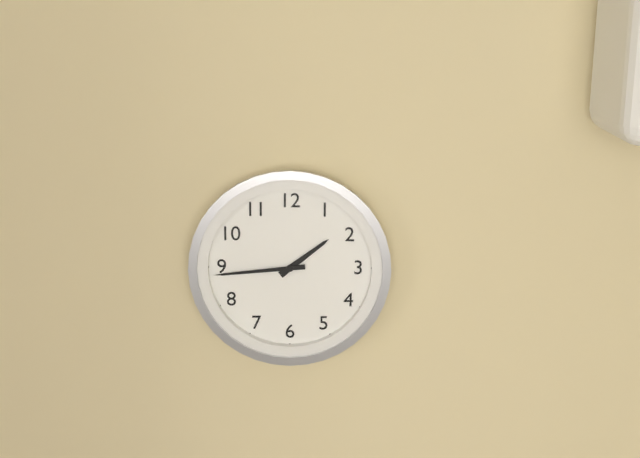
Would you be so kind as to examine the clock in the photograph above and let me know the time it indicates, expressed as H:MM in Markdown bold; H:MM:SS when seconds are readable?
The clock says **1:44**
